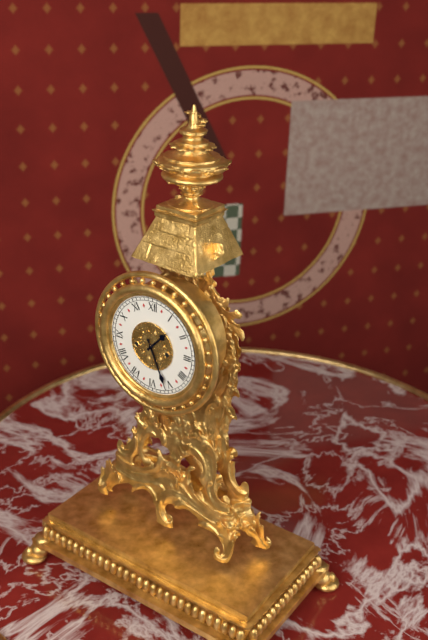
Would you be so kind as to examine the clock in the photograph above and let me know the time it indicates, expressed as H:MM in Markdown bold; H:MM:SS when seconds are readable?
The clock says **1:26**
